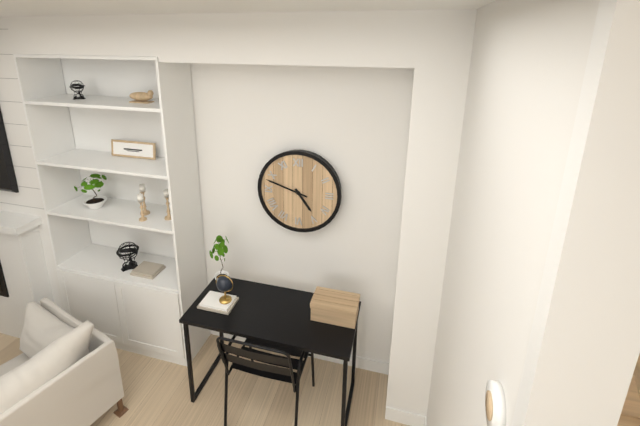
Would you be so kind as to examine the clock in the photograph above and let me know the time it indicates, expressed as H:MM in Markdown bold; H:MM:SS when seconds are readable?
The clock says **4:48**
